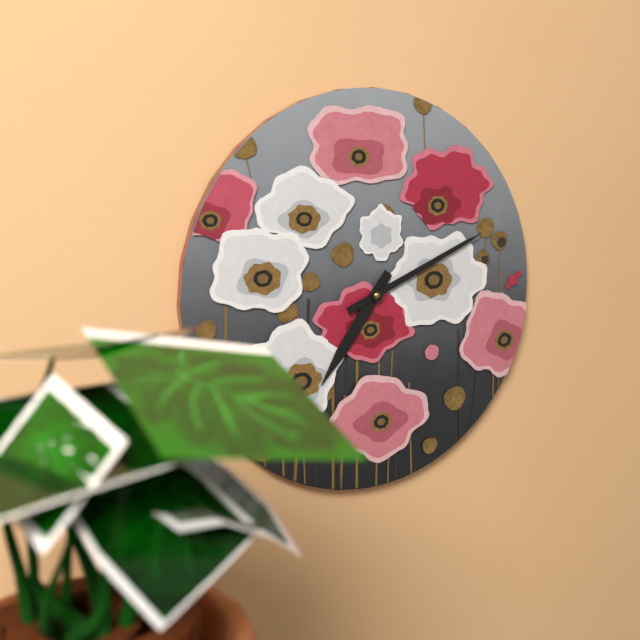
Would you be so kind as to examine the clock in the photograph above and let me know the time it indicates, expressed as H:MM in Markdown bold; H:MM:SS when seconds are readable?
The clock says **7:11**
